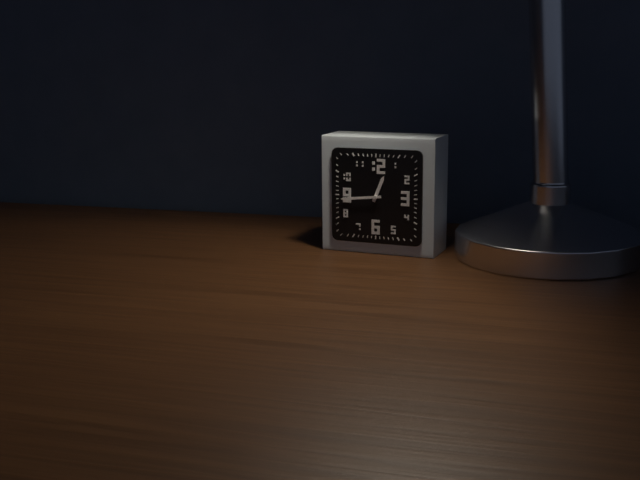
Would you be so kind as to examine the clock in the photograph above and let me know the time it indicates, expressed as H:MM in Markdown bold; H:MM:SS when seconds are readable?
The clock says **12:44**
